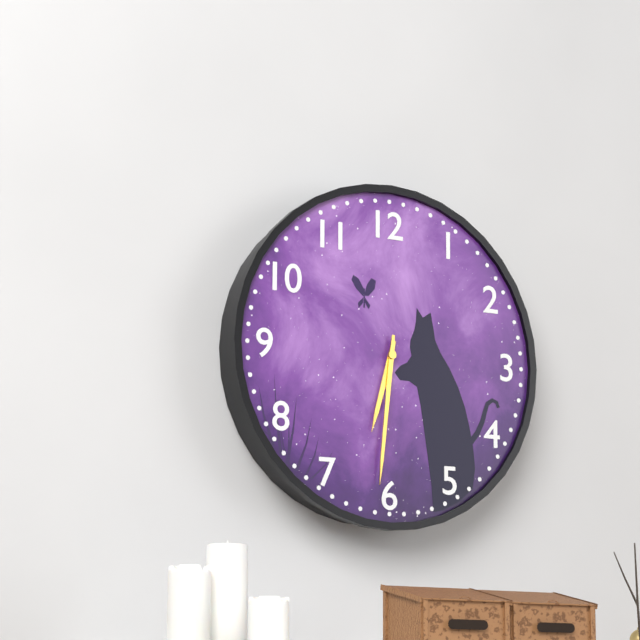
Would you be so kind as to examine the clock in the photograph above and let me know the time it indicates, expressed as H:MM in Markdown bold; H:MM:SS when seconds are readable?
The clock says **6:31**
